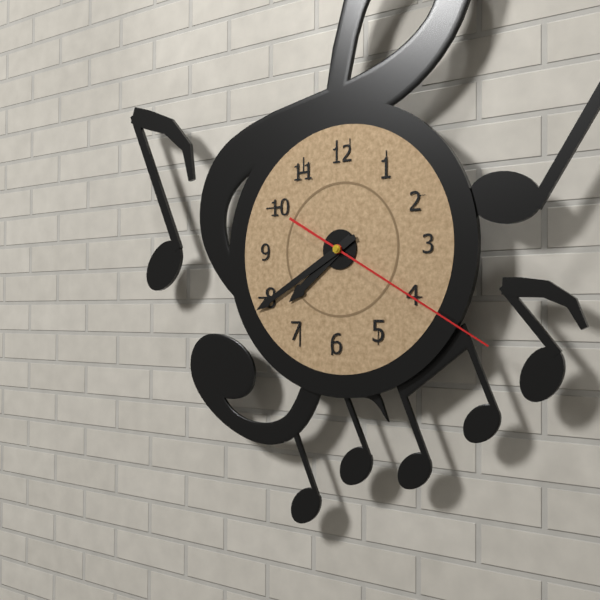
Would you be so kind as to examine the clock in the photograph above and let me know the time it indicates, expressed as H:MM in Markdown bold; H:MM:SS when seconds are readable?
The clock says **7:40:20**
